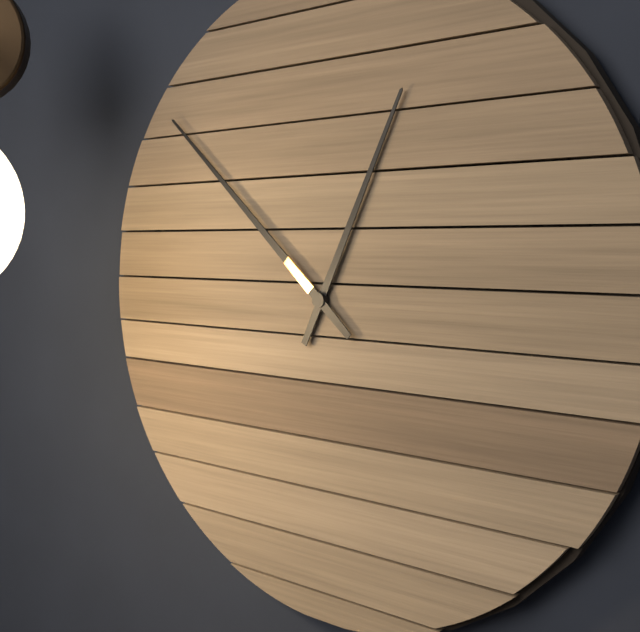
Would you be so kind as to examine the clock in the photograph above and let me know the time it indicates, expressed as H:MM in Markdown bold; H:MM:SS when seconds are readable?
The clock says **12:52**
